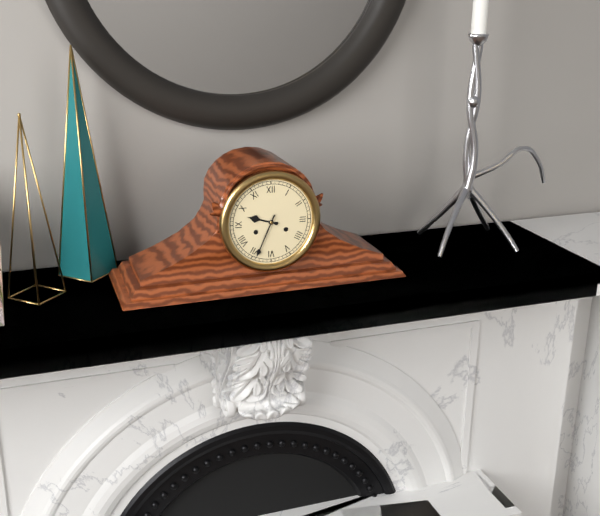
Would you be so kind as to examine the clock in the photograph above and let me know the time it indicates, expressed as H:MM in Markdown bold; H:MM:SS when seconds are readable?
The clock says **9:34**
